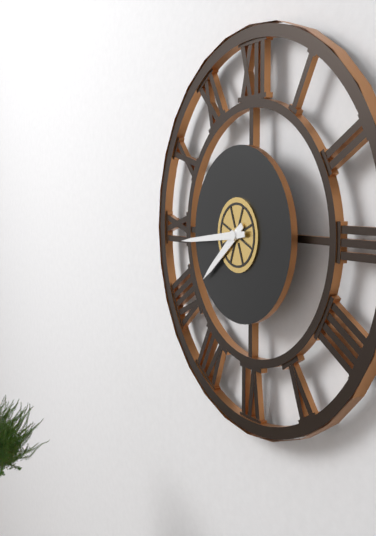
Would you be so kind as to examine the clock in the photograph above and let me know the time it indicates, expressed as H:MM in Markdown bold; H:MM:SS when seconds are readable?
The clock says **7:44**
